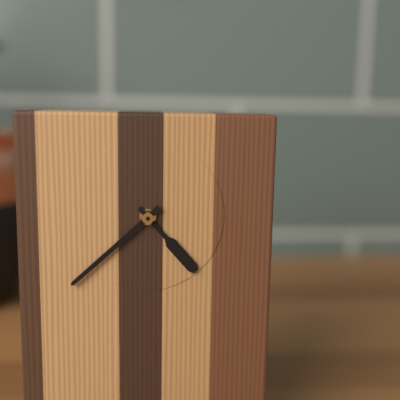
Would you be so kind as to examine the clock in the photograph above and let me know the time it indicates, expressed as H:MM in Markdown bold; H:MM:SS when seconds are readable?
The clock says **4:38**
